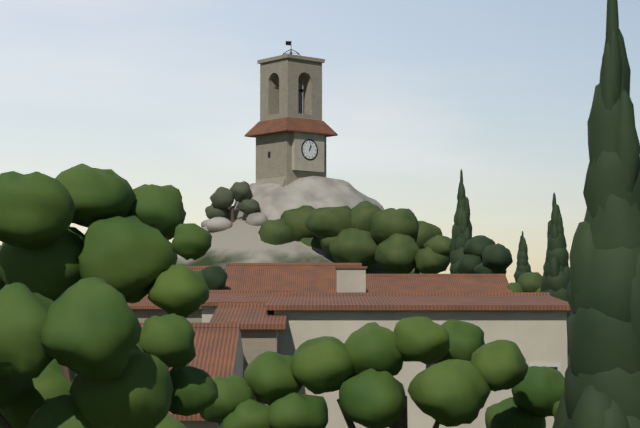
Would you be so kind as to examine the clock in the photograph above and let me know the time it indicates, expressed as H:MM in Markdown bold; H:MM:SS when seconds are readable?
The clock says **1:02**
